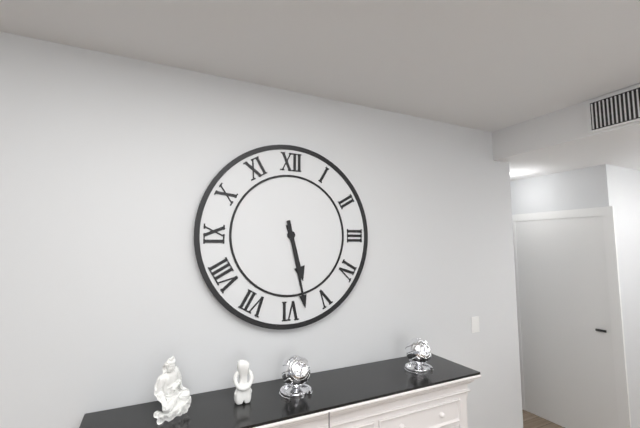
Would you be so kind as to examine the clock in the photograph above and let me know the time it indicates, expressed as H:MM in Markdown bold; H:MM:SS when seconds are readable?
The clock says **5:28**
